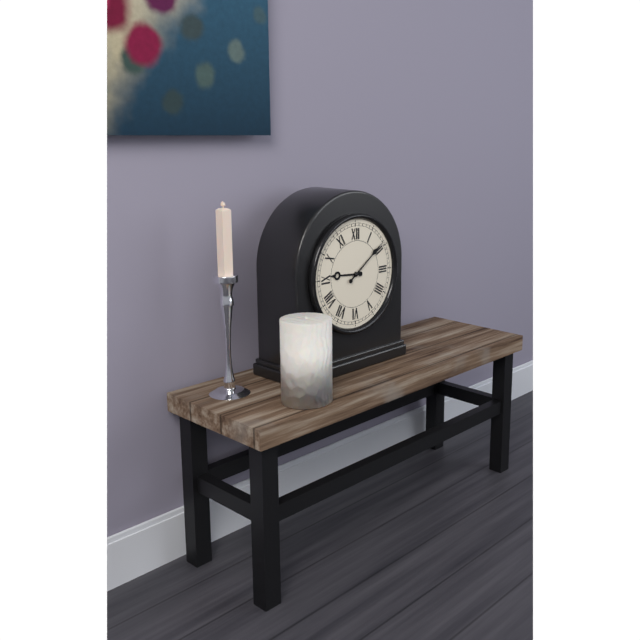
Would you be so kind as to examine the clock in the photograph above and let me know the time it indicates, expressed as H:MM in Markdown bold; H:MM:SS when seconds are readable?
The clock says **9:09**
